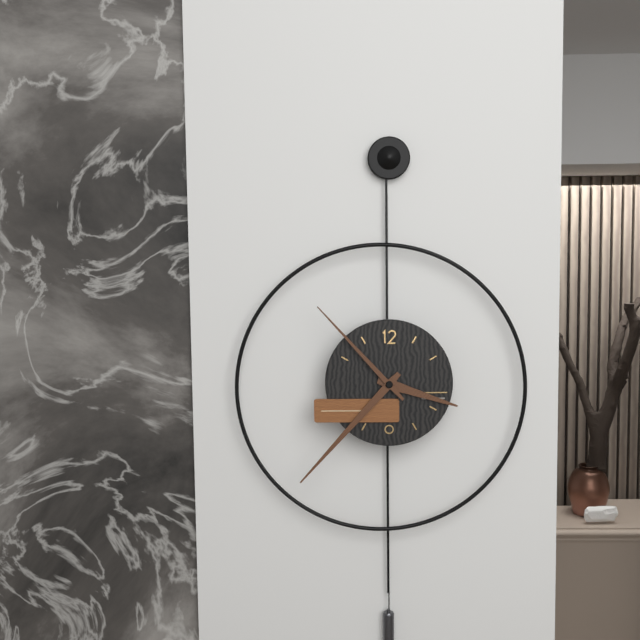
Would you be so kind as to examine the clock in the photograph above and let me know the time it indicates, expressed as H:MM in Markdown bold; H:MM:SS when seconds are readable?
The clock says **3:37:53**
